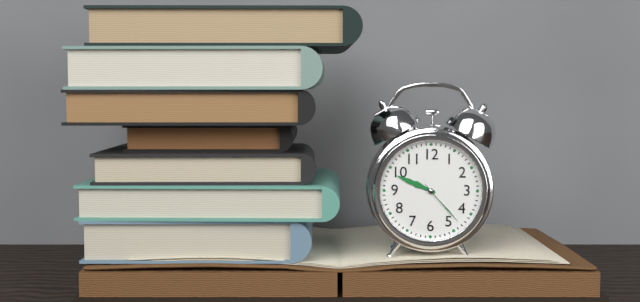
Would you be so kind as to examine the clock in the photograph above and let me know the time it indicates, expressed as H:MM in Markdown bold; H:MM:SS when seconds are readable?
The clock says **9:49:23**
